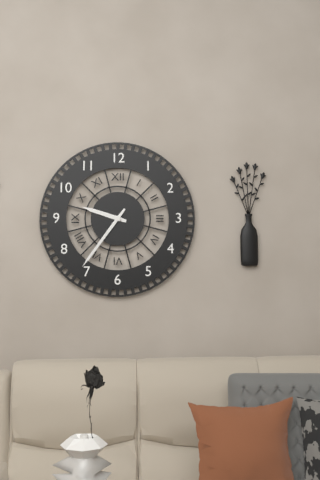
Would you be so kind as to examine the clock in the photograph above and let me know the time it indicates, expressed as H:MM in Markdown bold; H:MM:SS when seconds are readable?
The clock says **9:36**
